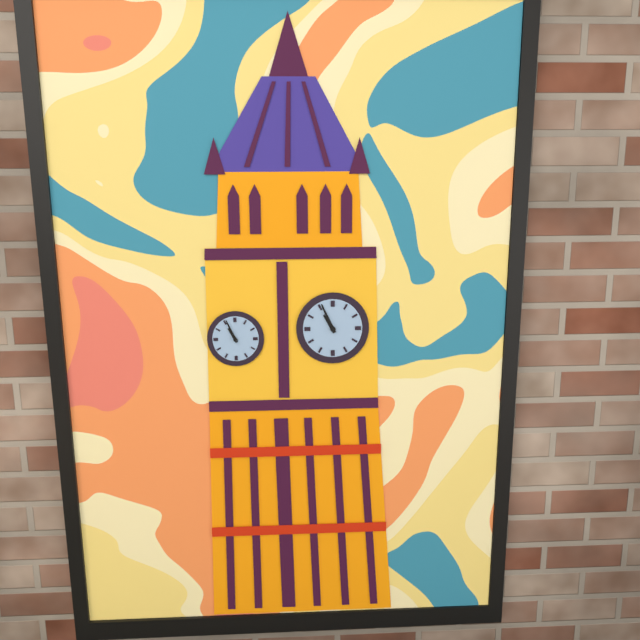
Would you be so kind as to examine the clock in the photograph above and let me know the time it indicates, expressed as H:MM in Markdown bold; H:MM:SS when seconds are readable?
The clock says **10:56**
